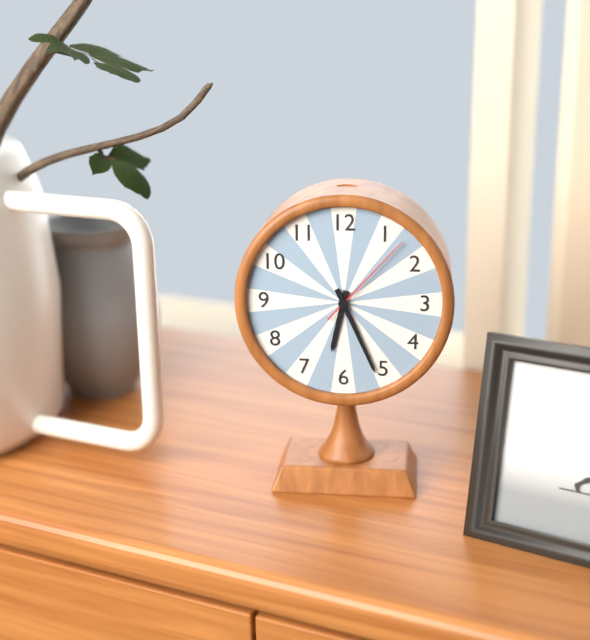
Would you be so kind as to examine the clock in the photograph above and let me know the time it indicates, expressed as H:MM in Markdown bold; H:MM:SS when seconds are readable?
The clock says **6:26:07**
